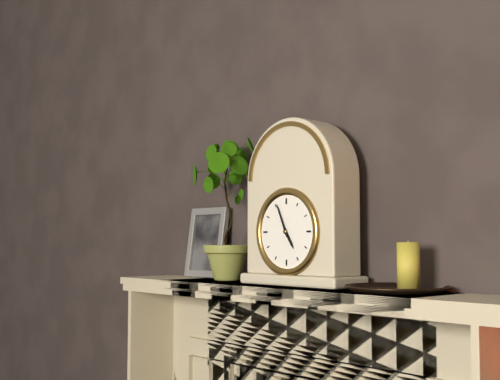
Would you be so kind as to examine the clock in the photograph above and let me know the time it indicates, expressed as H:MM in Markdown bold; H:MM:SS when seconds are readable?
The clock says **4:56**
